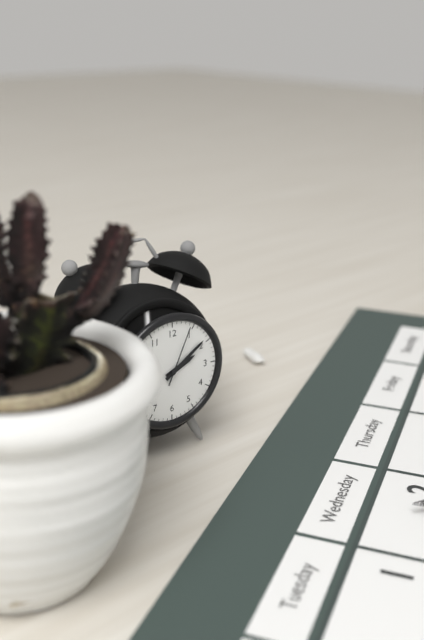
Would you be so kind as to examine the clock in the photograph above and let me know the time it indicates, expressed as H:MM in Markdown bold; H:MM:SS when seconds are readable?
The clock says **2:09:04**
